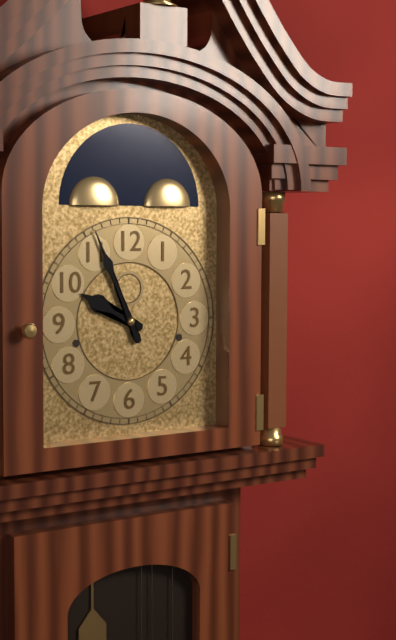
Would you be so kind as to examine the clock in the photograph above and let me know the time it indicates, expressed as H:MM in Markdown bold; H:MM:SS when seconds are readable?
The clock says **9:56**
